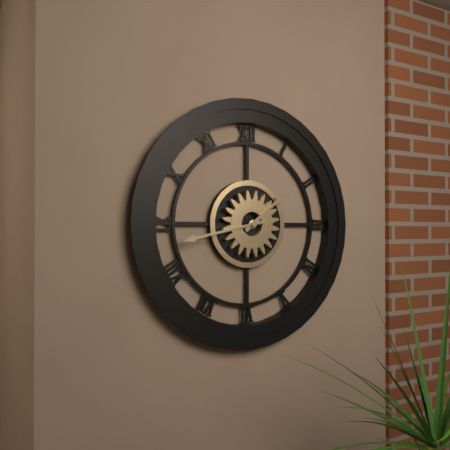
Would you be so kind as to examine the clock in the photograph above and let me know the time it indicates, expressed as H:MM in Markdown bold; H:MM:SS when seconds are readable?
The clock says **1:43**
